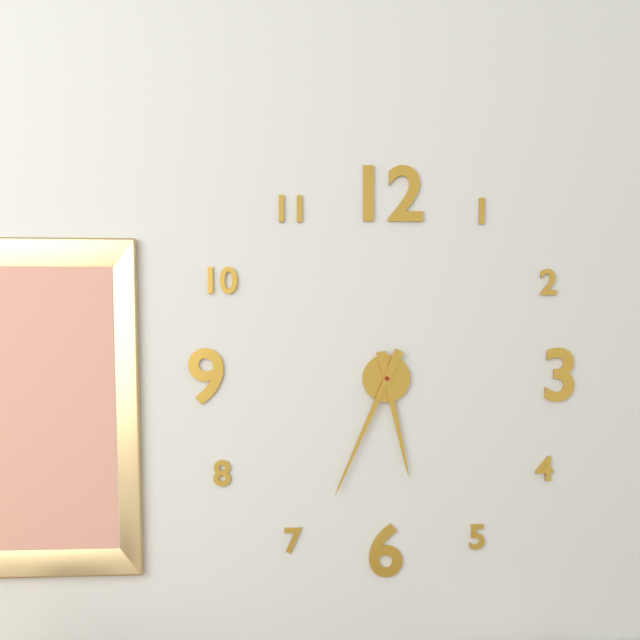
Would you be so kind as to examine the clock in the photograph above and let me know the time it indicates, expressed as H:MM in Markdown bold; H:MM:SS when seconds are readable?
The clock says **5:34**
